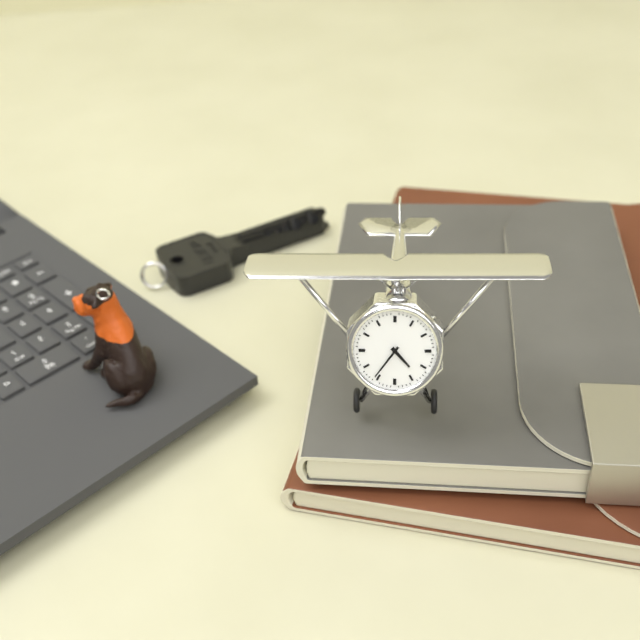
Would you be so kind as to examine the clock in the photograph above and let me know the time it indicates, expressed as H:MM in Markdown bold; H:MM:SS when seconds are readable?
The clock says **4:36**
